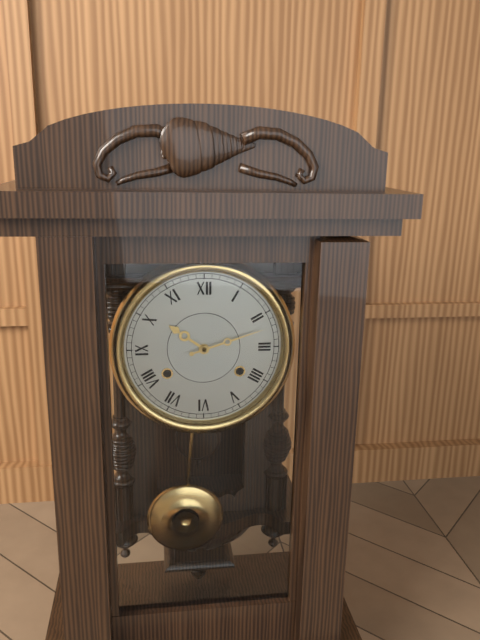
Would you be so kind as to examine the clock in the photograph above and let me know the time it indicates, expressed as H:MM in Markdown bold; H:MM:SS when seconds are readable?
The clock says **10:12**
